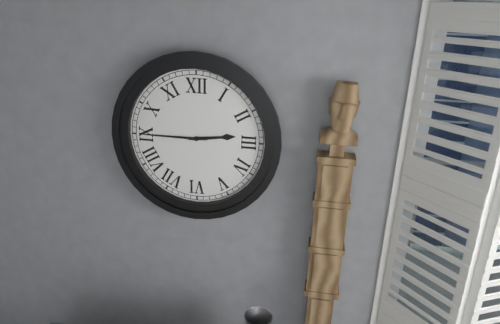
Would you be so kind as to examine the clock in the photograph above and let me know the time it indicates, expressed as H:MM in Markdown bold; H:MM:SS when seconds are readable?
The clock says **2:45**
